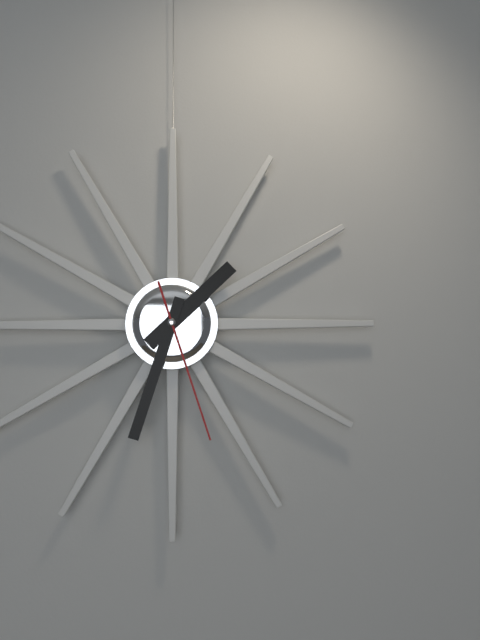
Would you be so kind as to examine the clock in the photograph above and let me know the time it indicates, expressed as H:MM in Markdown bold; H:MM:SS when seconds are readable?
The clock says **1:33:27**
